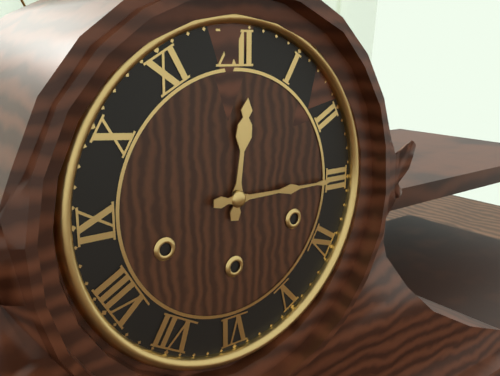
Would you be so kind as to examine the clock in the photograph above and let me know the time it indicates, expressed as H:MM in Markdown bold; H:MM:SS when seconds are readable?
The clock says **12:15**
